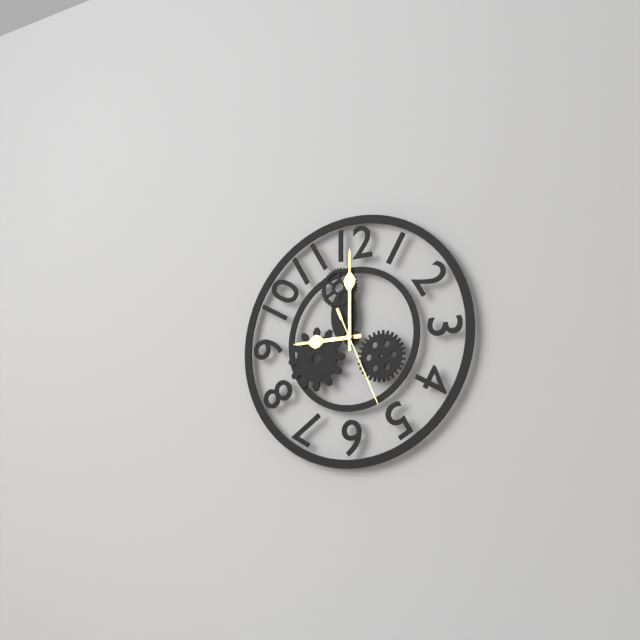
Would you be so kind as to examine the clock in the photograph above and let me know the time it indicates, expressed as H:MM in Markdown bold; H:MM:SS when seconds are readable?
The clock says **9:00:26**
